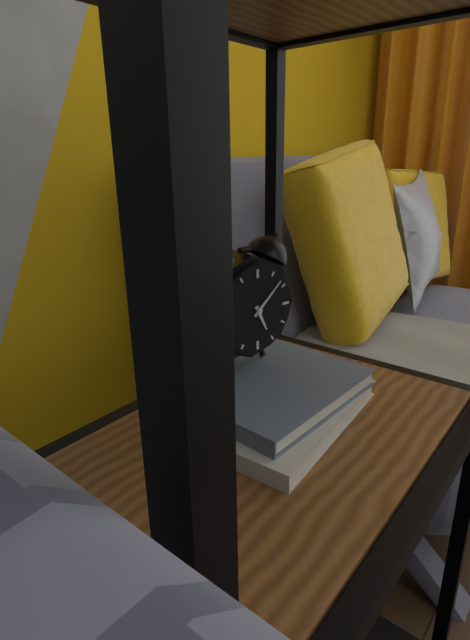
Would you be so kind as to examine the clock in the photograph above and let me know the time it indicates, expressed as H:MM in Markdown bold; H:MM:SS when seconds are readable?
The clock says **5:08**
